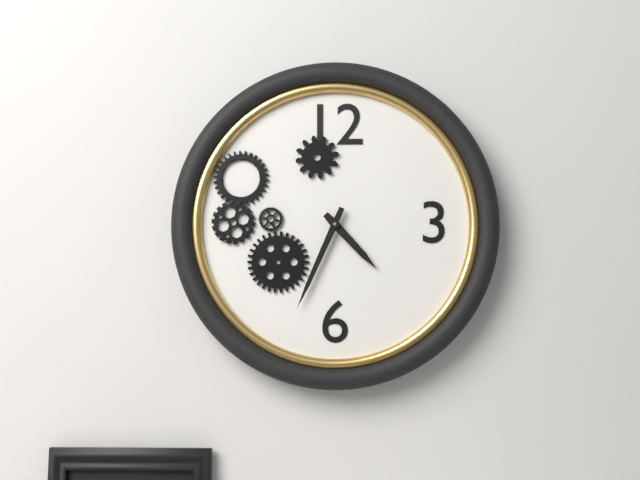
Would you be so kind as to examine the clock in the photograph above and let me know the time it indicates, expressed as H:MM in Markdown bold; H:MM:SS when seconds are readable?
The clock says **4:34**
